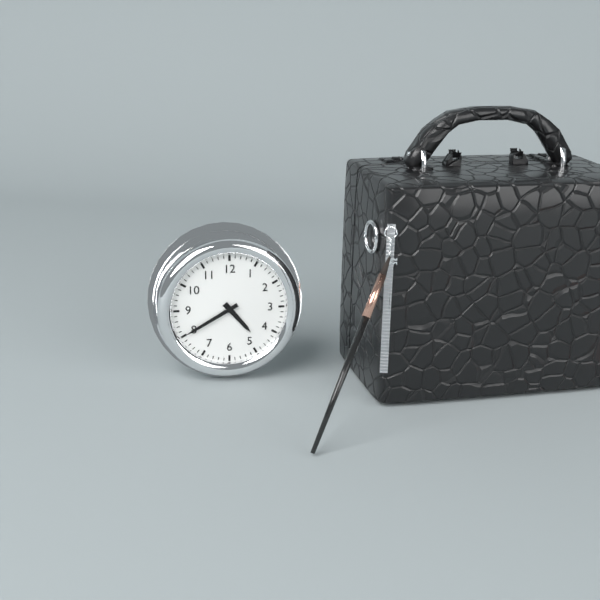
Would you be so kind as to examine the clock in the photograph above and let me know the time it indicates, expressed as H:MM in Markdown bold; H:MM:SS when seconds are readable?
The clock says **4:40**
